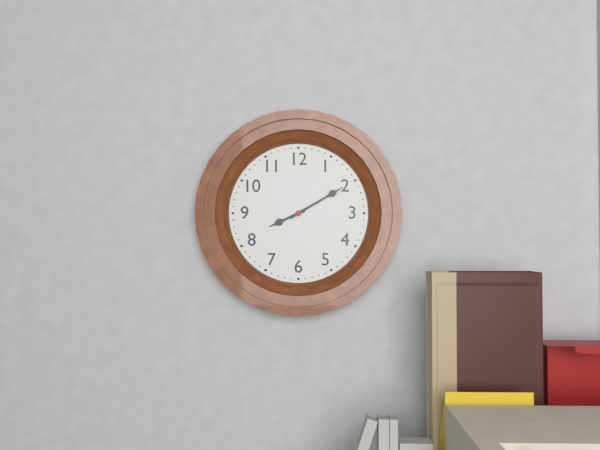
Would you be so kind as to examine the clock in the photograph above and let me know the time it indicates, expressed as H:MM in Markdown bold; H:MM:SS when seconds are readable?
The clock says **8:10**
